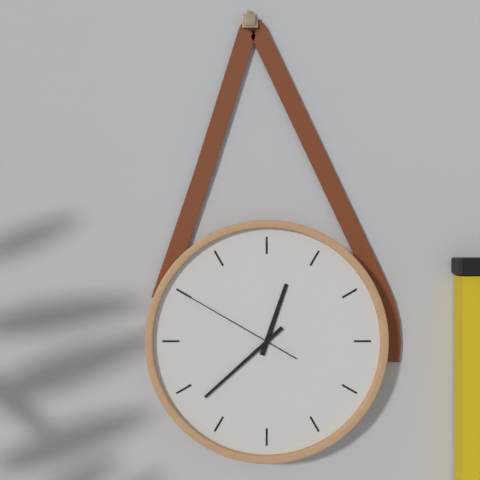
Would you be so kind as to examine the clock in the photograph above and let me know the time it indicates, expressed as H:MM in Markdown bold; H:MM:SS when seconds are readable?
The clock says **12:38:50**
